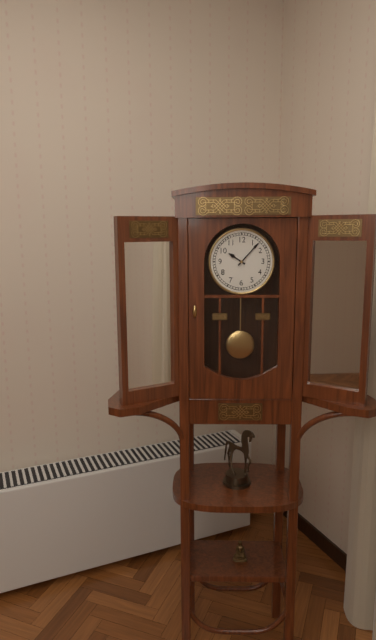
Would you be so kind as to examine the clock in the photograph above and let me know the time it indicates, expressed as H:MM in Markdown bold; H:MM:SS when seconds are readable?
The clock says **10:07**
